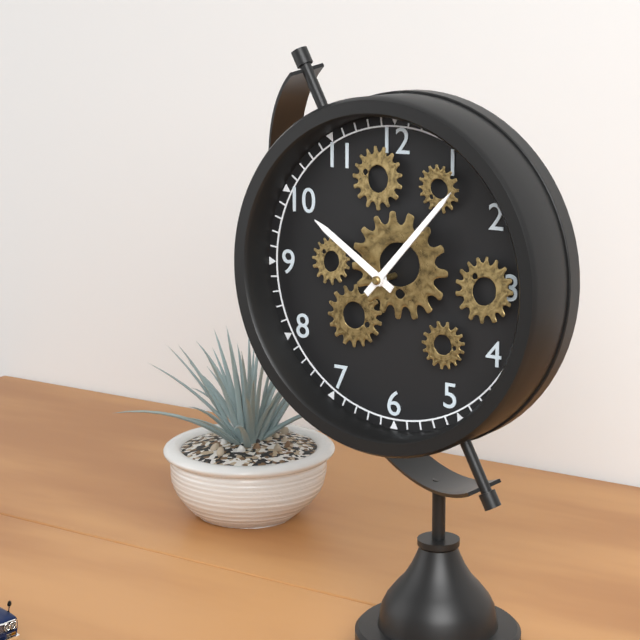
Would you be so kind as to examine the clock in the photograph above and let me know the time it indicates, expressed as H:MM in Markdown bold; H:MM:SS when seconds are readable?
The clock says **10:07**
